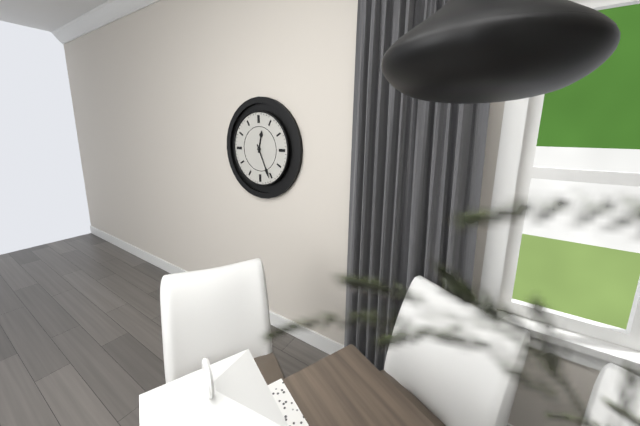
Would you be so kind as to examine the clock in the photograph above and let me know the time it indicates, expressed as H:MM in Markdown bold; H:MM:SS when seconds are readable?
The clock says **12:26**
